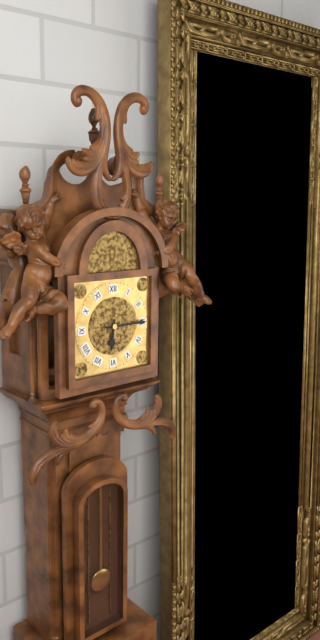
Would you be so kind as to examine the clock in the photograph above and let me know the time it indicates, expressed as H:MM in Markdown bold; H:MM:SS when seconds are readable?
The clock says **6:15**
